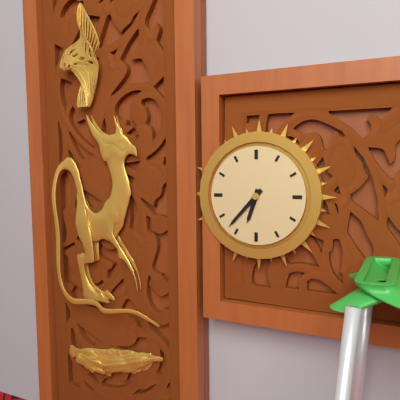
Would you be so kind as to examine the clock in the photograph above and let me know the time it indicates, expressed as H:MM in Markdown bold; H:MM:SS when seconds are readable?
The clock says **6:37**
